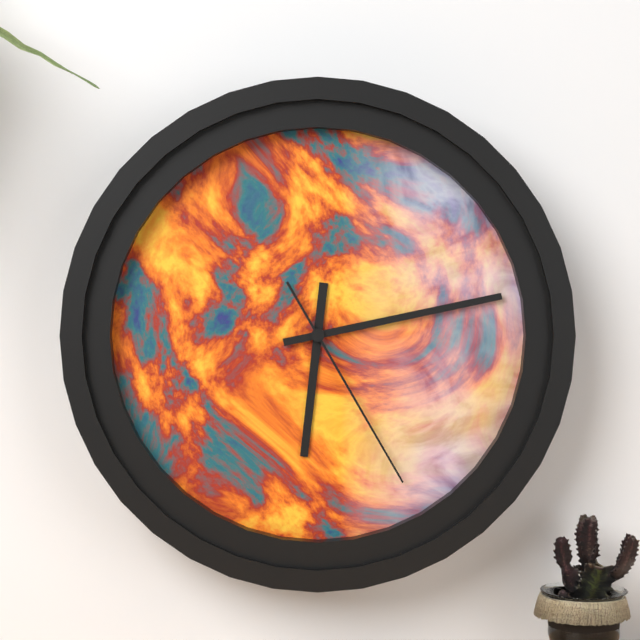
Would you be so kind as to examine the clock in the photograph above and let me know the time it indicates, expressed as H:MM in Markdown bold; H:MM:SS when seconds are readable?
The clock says **6:13:25**
